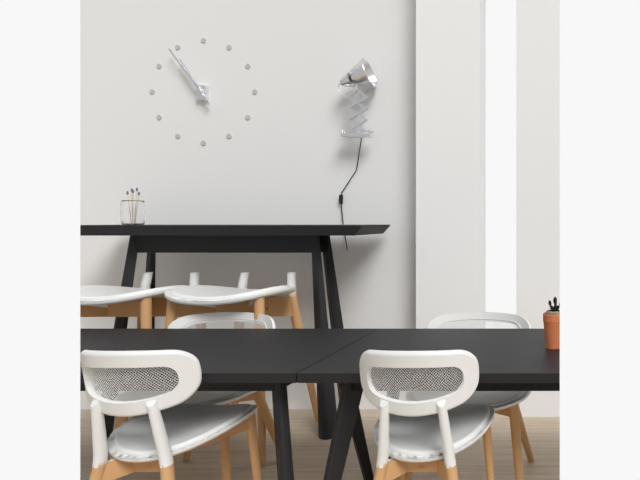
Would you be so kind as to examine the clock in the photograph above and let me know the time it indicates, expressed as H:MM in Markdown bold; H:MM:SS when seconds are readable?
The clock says **10:54**
